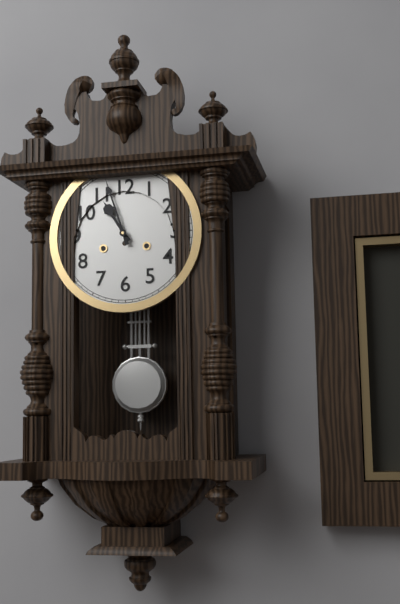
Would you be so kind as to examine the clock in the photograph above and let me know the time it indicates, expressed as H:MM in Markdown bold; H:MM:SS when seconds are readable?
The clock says **10:57**
